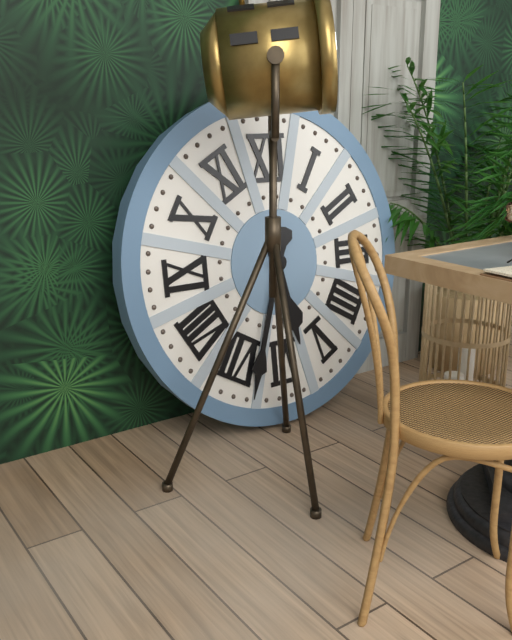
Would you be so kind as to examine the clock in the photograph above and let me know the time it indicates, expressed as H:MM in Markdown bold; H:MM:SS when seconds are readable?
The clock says **5:33**
